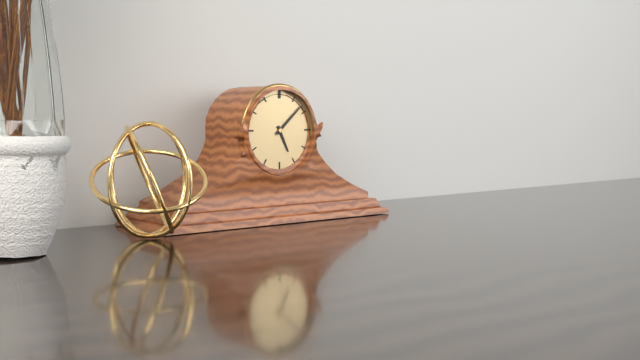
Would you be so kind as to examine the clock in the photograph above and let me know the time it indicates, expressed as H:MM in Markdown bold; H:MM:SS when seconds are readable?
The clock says **5:08**
